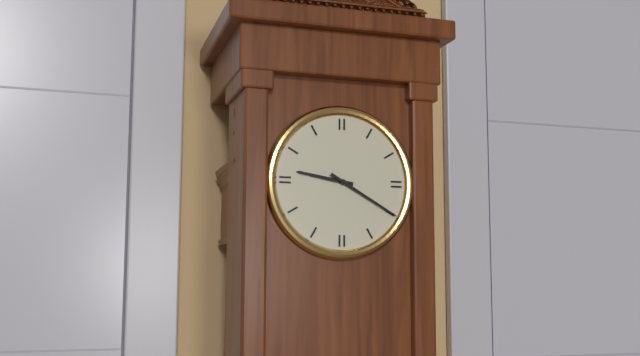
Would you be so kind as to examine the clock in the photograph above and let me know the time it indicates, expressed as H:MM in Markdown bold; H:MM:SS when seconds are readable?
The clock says **9:20**
